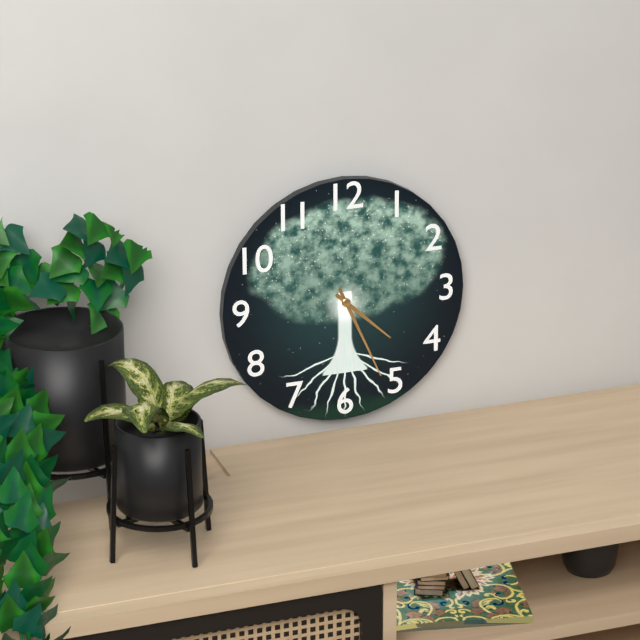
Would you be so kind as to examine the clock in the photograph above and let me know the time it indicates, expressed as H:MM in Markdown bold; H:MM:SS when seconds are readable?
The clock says **4:26**
